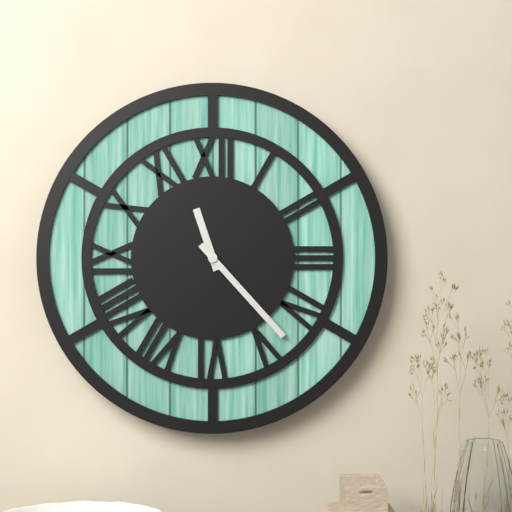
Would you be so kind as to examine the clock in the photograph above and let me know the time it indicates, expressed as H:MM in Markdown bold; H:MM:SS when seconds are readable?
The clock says **11:23**
